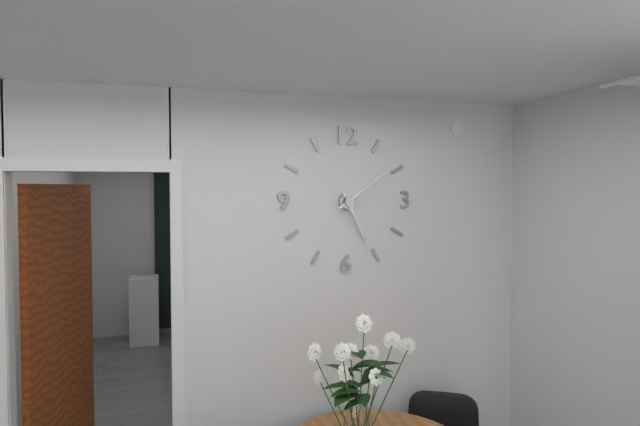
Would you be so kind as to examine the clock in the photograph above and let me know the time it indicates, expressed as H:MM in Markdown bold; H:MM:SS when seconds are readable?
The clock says **5:09**
